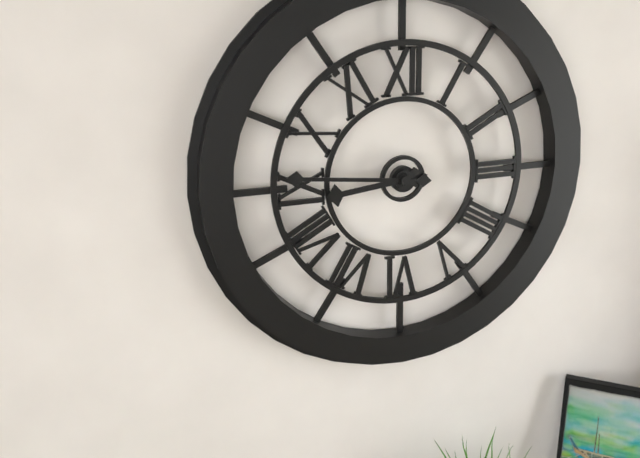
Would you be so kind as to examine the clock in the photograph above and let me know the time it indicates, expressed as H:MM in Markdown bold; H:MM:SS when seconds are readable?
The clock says **8:46**
